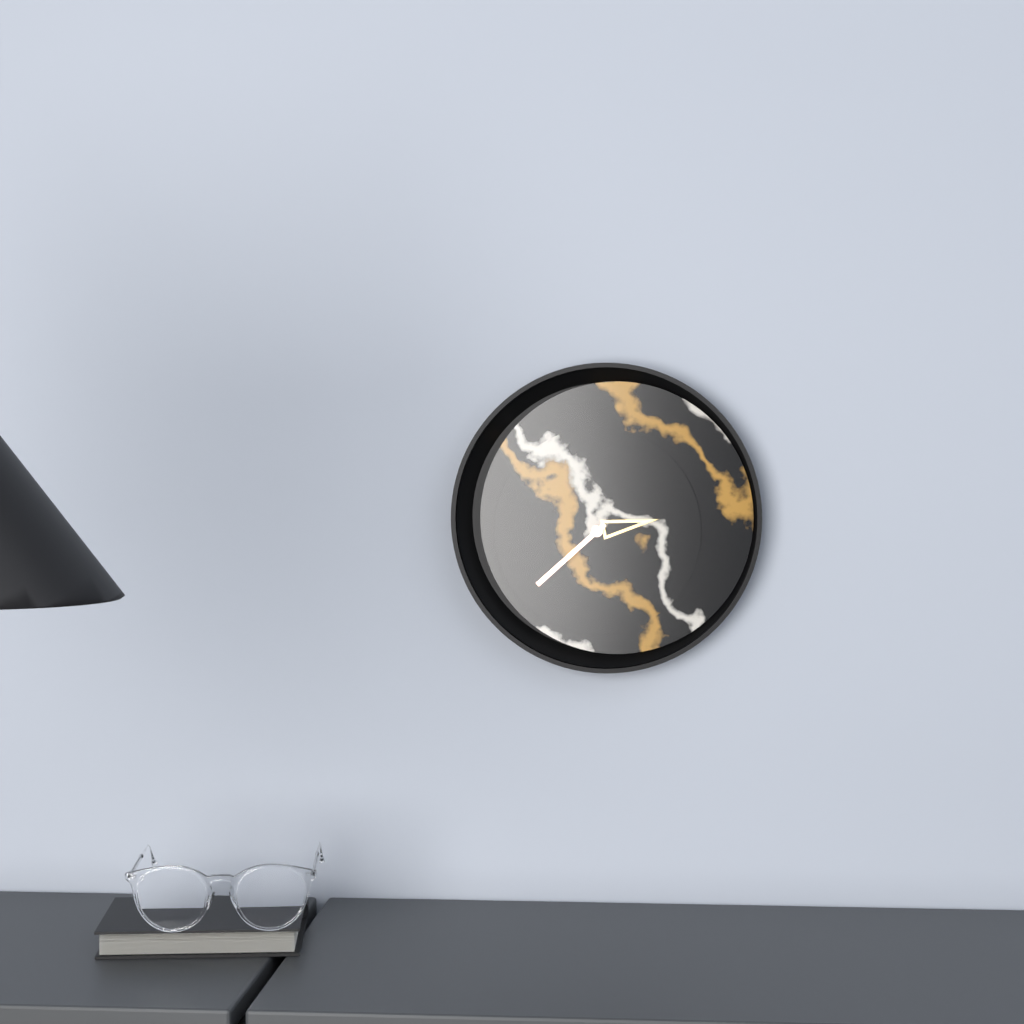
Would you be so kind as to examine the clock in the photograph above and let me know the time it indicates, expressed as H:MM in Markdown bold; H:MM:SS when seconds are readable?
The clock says **2:38**
